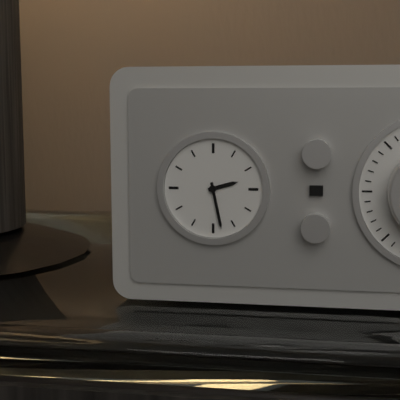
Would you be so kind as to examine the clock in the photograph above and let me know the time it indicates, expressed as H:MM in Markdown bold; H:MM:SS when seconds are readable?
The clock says **2:28**
